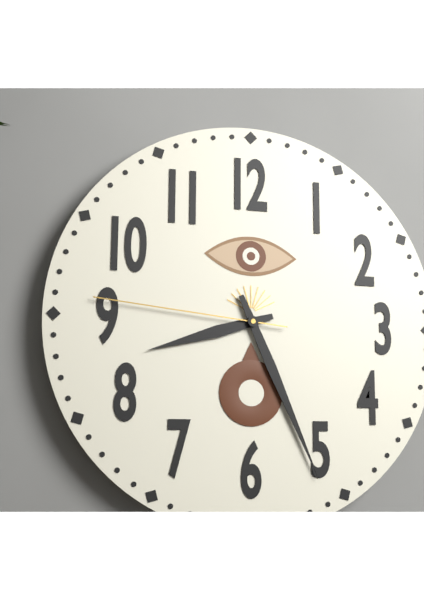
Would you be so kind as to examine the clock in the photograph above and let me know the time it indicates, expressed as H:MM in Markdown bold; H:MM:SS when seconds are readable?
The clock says **8:26:46**
